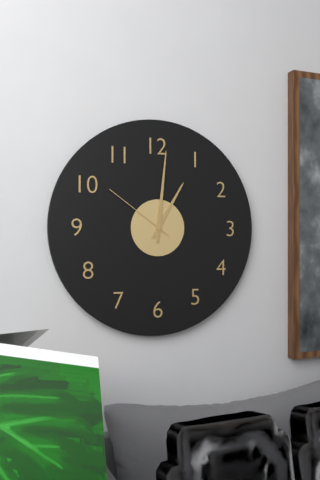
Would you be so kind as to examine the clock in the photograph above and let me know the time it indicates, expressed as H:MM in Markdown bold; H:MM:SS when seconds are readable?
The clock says **1:01:51**
